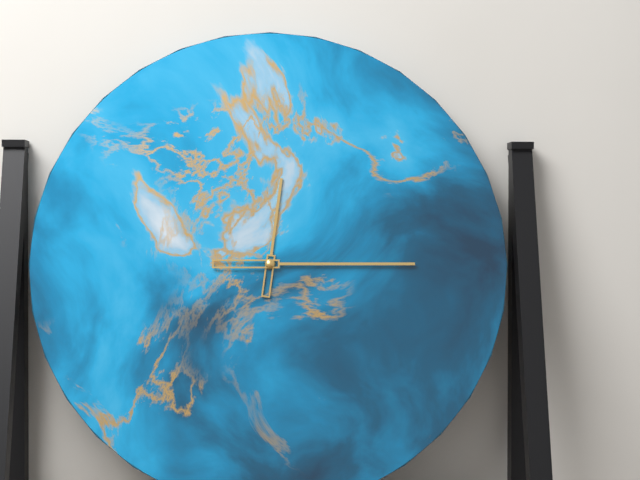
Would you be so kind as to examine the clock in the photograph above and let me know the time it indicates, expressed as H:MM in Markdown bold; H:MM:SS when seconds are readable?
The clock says **12:15**
